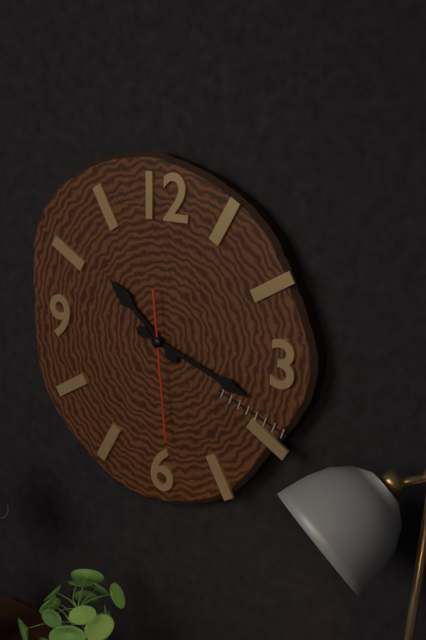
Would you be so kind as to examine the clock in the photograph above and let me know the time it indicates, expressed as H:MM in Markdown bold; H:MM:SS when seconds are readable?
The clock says **10:18:29**
